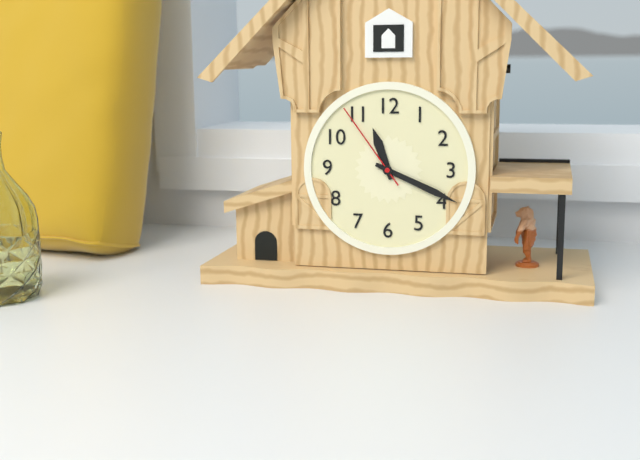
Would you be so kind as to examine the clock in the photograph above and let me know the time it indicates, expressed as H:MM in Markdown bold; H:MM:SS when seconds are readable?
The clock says **11:19:54**
